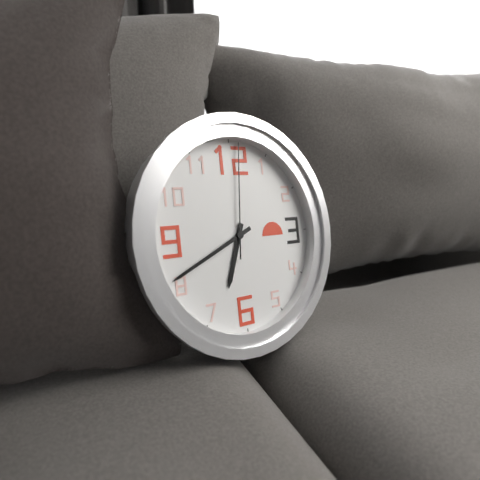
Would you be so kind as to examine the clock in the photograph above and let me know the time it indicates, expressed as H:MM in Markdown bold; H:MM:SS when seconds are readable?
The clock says **6:41:01**
